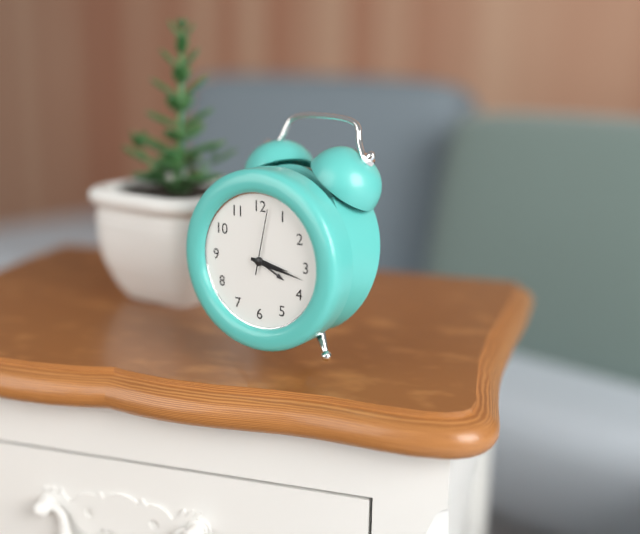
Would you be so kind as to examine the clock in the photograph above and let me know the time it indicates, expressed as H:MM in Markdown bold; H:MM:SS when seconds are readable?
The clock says **3:17:02**
